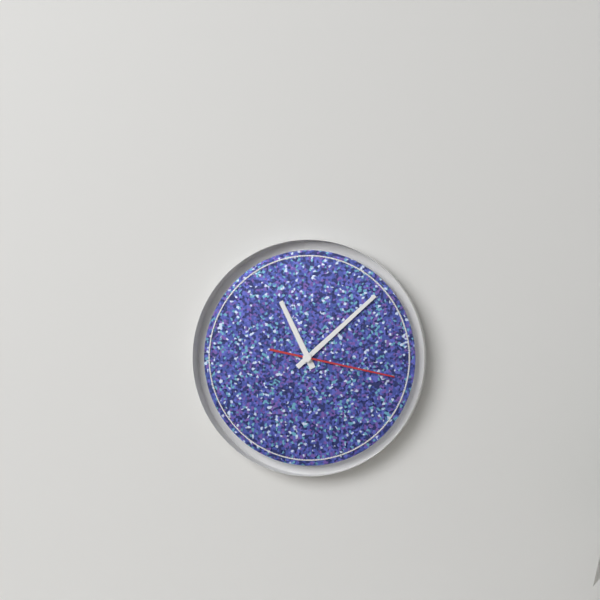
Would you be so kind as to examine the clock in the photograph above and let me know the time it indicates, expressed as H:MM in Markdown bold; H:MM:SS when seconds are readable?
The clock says **11:08:17**
